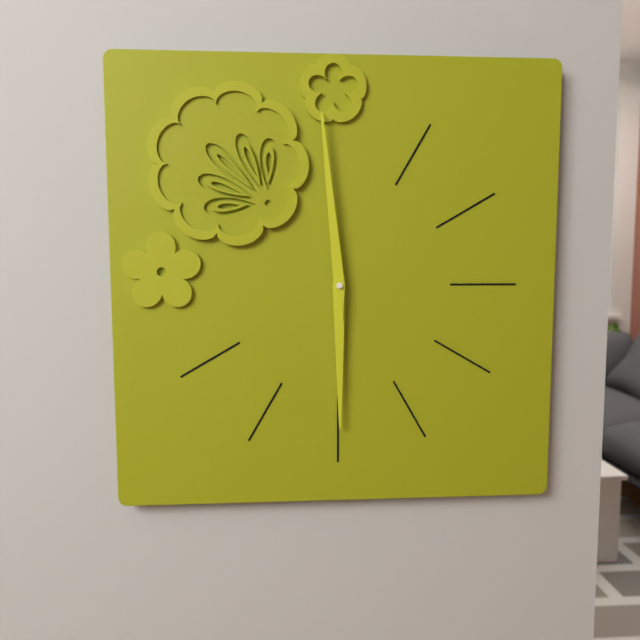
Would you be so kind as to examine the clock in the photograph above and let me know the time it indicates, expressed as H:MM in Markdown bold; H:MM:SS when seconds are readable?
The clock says **5:59**
